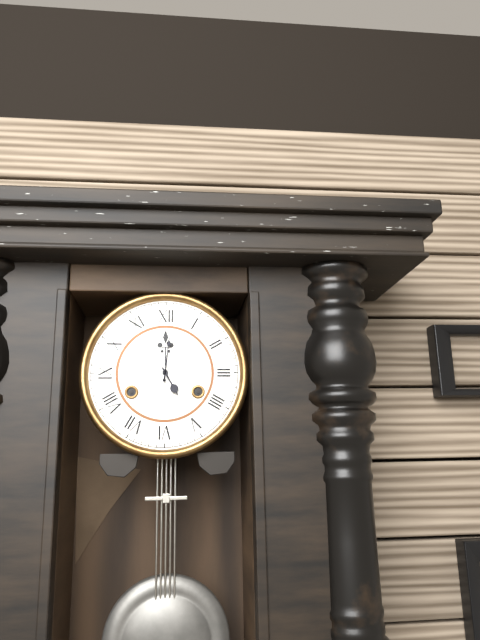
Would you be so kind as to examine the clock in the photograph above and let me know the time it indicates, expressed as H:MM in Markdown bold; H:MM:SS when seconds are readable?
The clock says **5:01**
